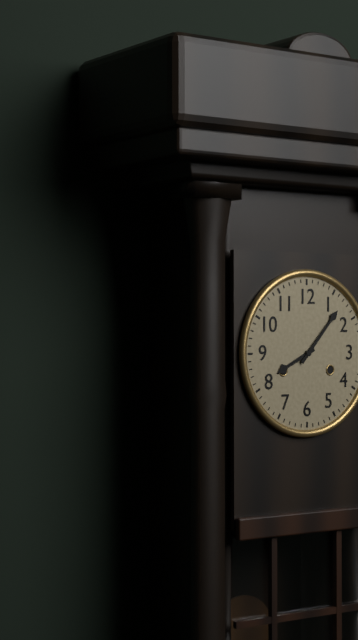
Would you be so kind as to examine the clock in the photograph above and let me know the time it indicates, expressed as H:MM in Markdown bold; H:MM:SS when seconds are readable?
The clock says **8:07**
